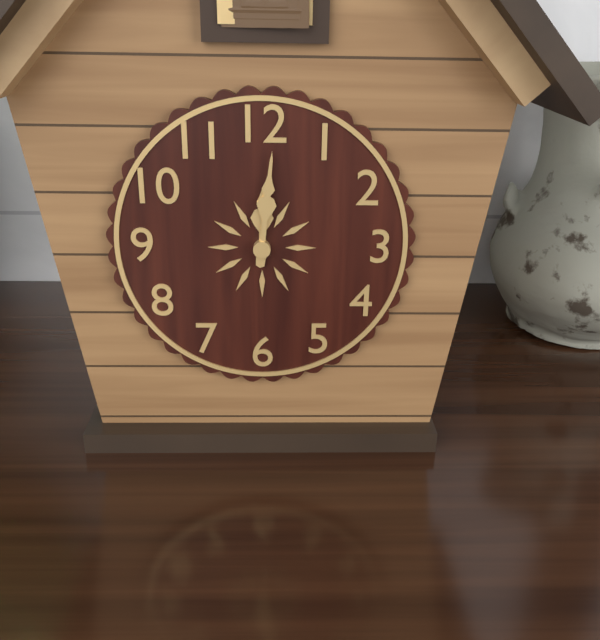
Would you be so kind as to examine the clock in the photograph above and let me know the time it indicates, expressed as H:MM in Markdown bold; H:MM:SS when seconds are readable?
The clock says **12:01**
